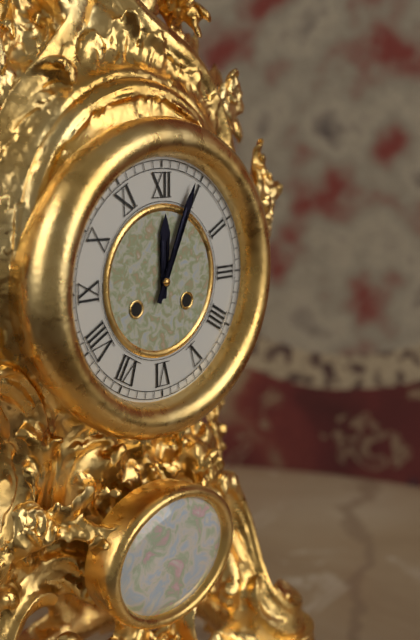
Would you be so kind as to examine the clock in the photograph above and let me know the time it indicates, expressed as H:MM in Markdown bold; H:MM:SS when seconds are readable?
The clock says **12:04**
